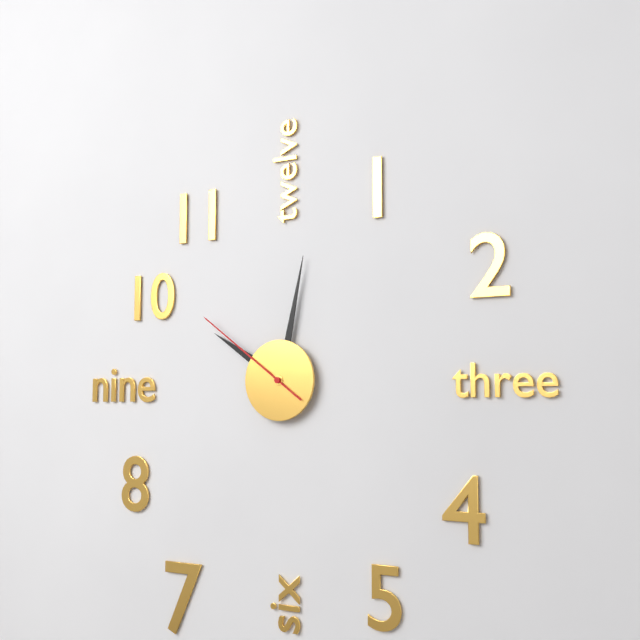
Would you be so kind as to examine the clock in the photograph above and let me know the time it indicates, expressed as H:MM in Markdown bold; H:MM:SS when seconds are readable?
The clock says **10:02:51**
